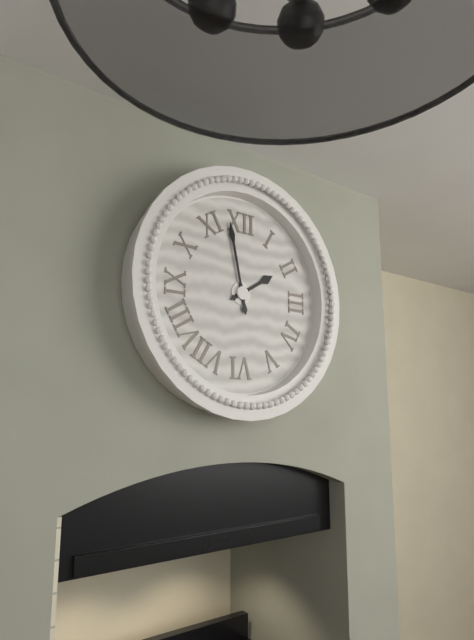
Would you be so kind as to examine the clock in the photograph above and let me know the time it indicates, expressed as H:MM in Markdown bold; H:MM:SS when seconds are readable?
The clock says **1:58**
